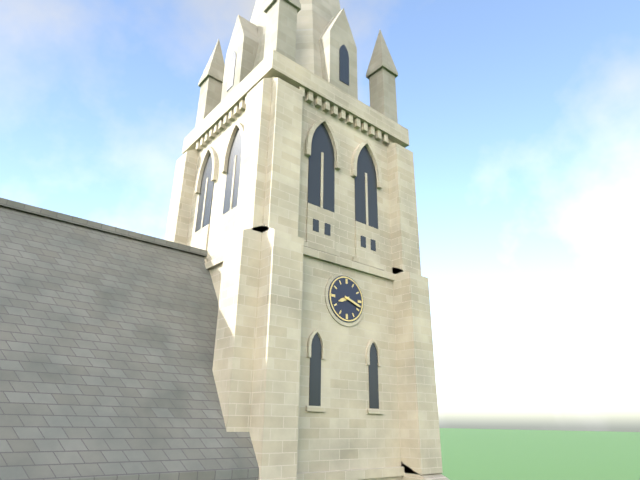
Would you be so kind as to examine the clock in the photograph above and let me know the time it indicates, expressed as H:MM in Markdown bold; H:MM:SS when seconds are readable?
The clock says **8:18**
